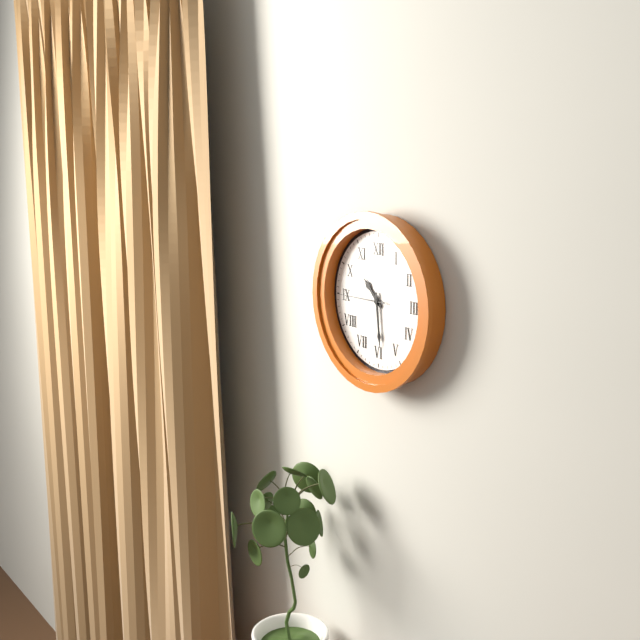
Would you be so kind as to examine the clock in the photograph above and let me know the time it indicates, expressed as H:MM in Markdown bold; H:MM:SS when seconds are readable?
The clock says **10:29**
